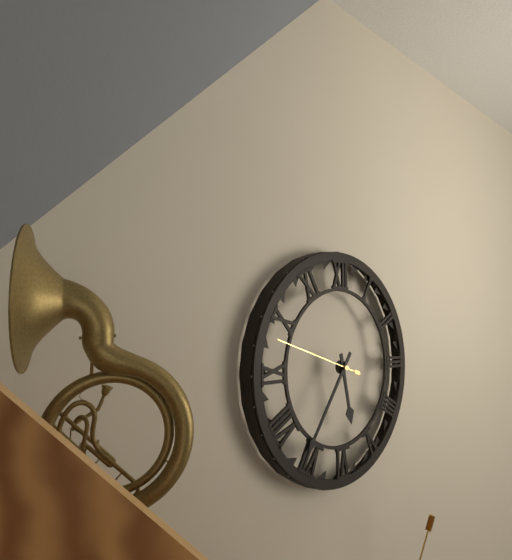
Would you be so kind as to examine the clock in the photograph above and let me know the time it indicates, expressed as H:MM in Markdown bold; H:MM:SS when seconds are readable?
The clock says **5:36:48**
